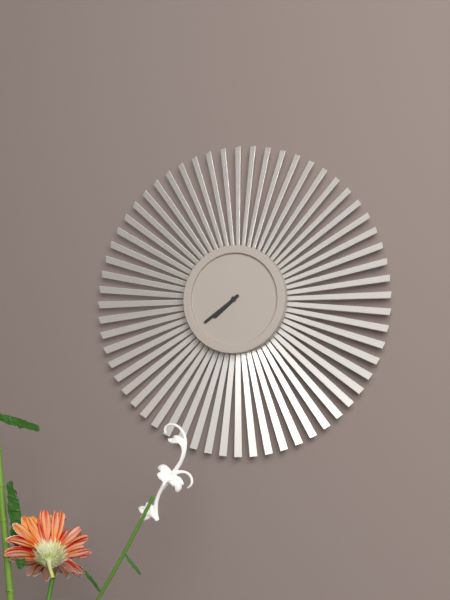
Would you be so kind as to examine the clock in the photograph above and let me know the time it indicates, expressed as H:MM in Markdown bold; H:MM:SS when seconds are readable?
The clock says **7:39**
